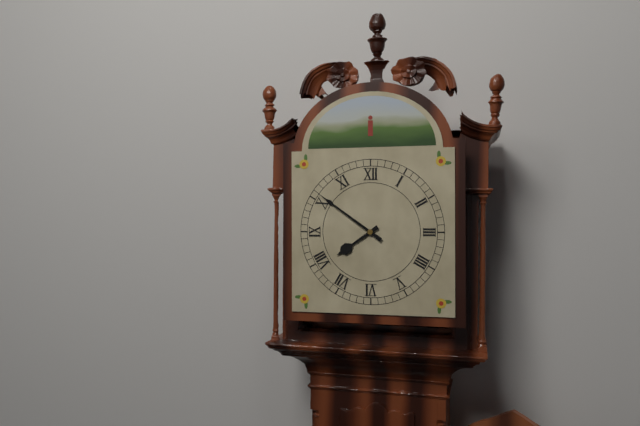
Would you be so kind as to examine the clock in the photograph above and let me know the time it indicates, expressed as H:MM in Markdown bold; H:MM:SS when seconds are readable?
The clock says **7:51**
